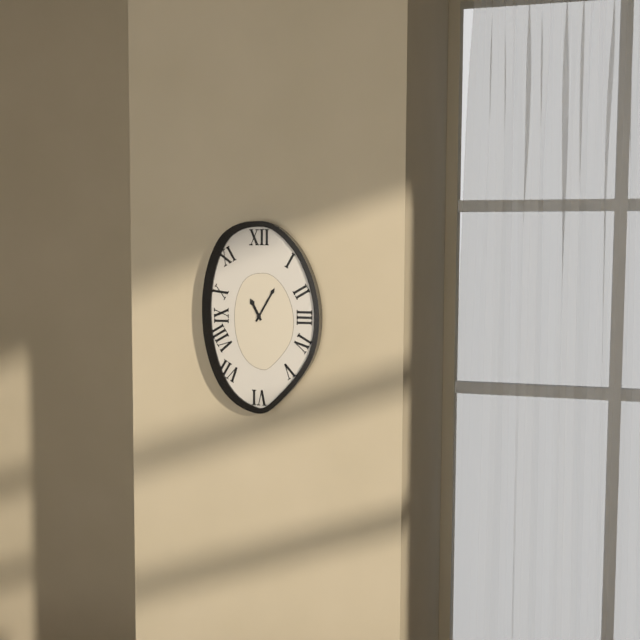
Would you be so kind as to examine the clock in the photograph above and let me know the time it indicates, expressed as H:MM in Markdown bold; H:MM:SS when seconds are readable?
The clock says **11:05**
